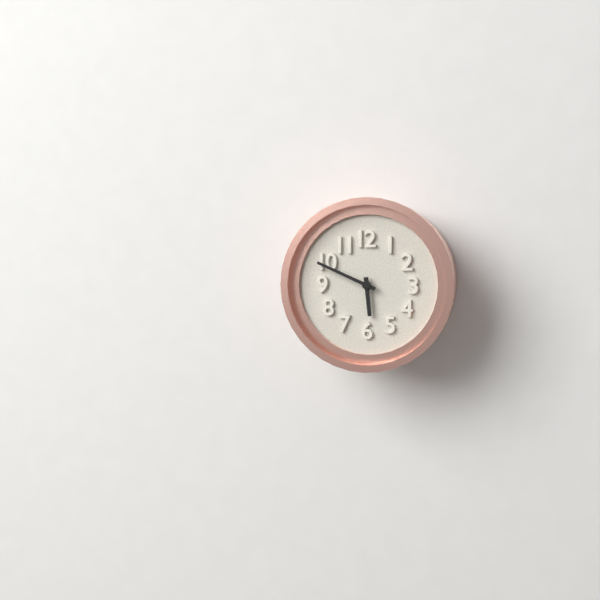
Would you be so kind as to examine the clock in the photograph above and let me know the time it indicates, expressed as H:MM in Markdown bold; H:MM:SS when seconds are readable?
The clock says **5:49**
